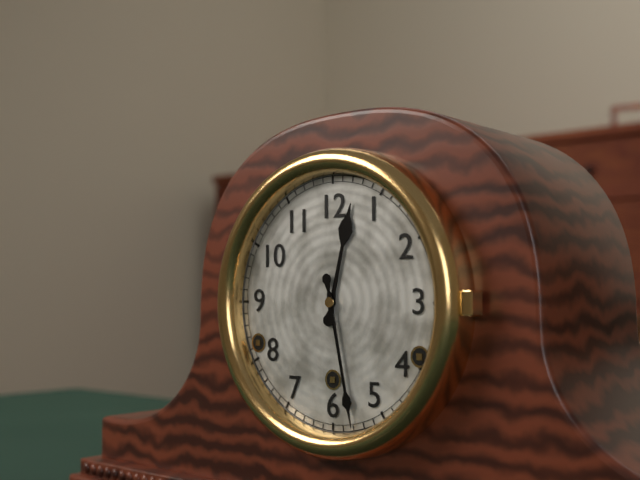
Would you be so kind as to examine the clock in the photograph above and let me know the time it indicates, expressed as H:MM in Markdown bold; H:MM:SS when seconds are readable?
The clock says **12:28**
